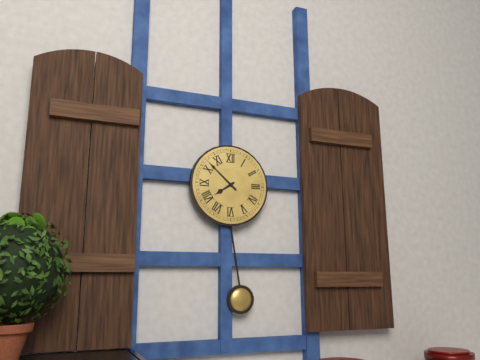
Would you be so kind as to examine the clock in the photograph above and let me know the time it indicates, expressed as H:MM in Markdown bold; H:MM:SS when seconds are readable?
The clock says **7:52**
